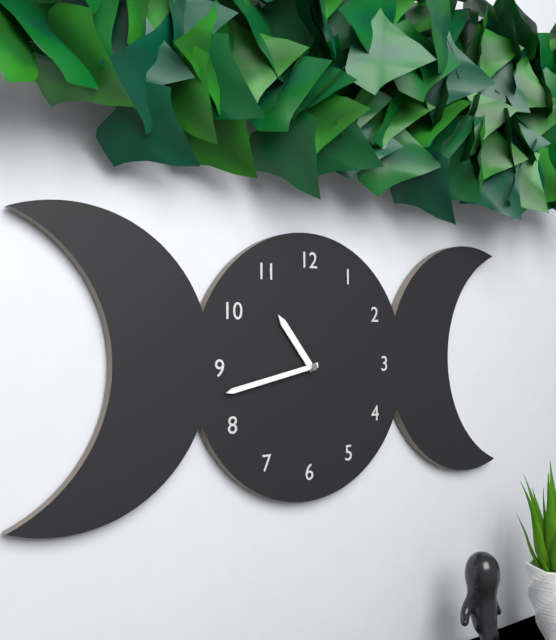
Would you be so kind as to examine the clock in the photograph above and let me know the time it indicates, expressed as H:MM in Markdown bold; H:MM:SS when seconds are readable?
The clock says **10:43**
